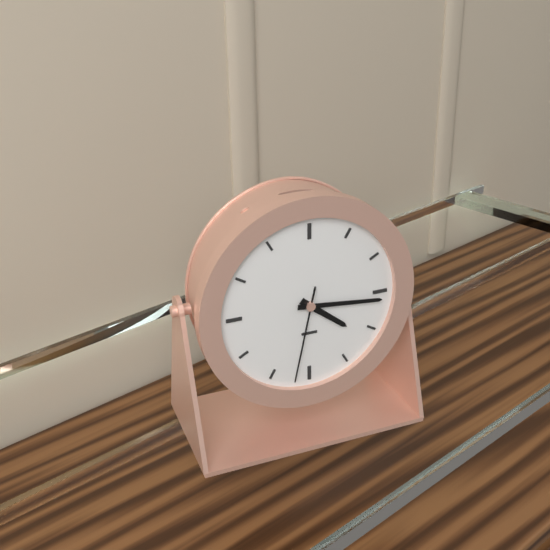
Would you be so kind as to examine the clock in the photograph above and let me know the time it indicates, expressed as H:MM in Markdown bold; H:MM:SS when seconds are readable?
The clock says **4:16:32**
